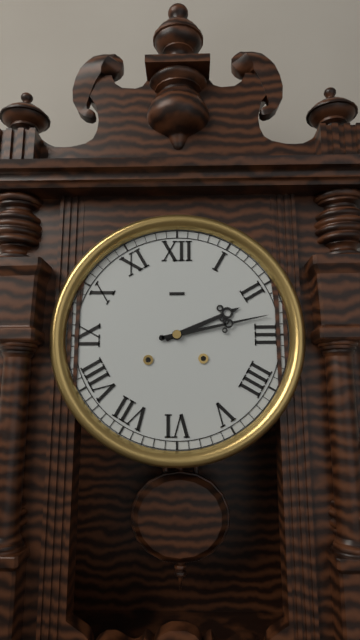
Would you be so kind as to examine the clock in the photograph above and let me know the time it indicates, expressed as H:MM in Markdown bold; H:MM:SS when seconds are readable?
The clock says **2:13**
